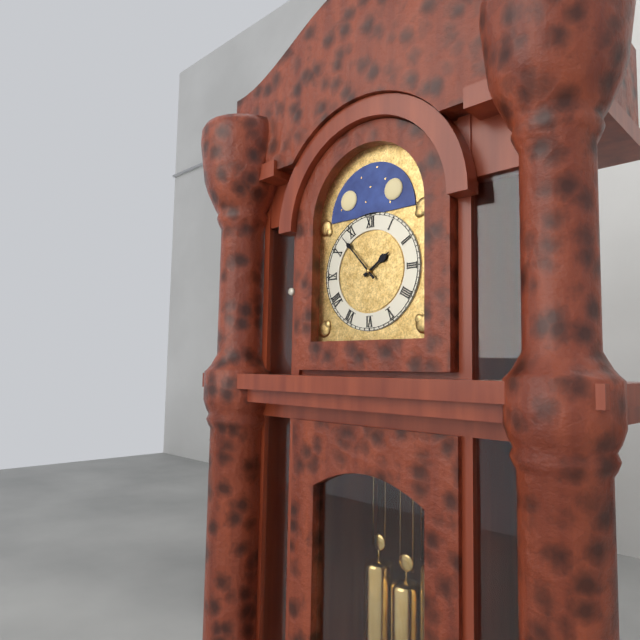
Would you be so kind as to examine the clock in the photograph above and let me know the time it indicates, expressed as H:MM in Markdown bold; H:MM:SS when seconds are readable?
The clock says **1:53**
